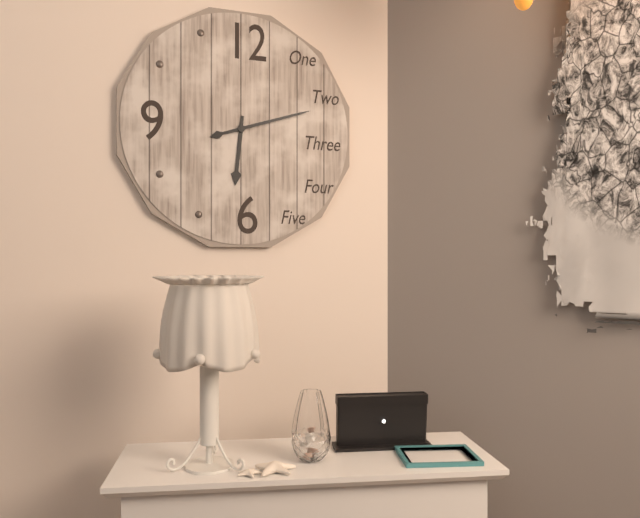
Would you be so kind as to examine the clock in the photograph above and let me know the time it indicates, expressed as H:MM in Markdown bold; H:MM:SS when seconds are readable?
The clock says **6:12**
